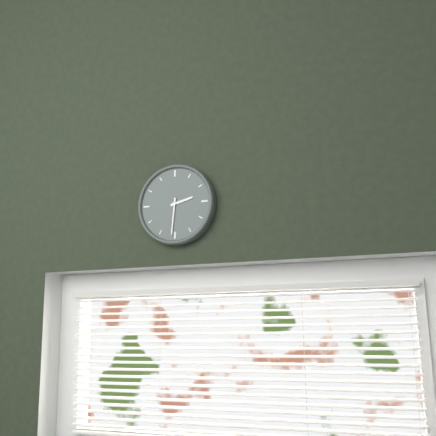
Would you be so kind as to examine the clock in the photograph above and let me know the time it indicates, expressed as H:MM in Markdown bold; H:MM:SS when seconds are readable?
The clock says **2:31**
